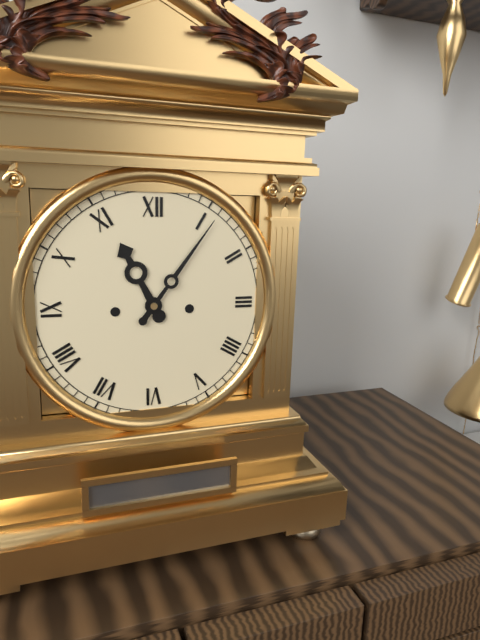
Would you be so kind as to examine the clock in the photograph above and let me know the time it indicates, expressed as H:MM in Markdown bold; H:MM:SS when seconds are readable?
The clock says **11:06**
